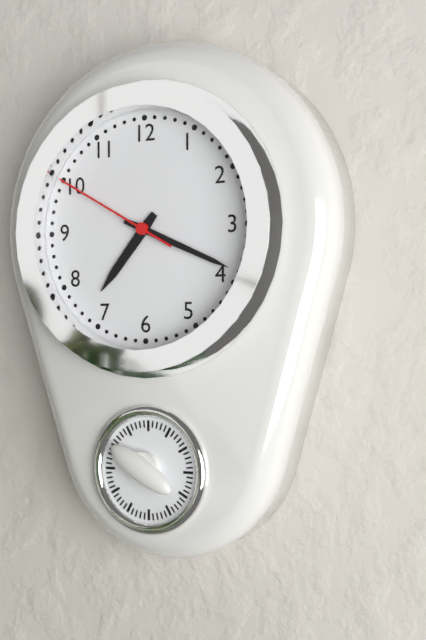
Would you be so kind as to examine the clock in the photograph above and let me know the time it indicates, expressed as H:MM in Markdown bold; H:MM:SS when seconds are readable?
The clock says **7:19:50**
